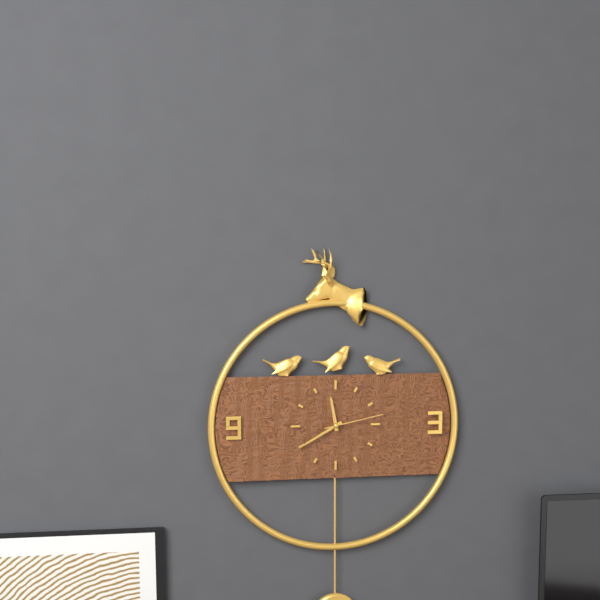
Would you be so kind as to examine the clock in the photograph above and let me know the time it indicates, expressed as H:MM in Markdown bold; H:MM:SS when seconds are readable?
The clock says **11:40:13**
